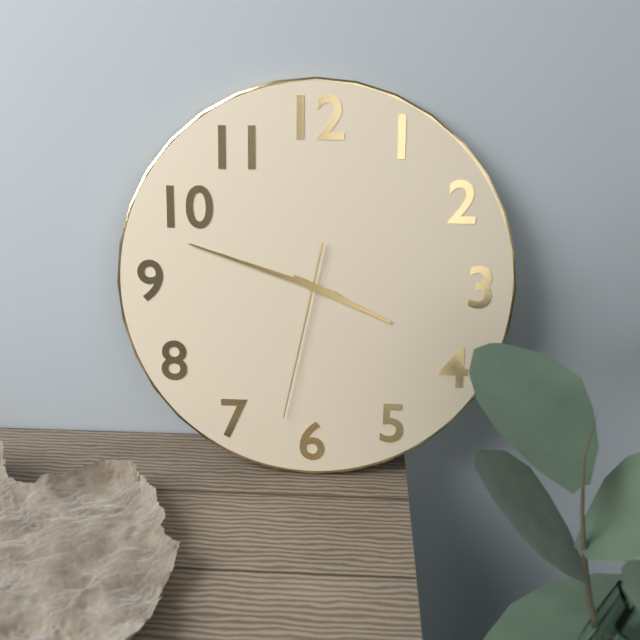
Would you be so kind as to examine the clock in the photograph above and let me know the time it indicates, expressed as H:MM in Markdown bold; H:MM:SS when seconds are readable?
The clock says **3:48:32**
